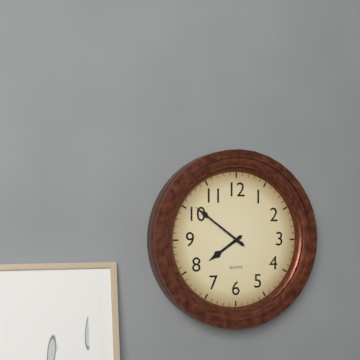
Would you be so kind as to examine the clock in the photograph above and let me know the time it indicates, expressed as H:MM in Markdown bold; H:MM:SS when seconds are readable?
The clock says **7:51**
